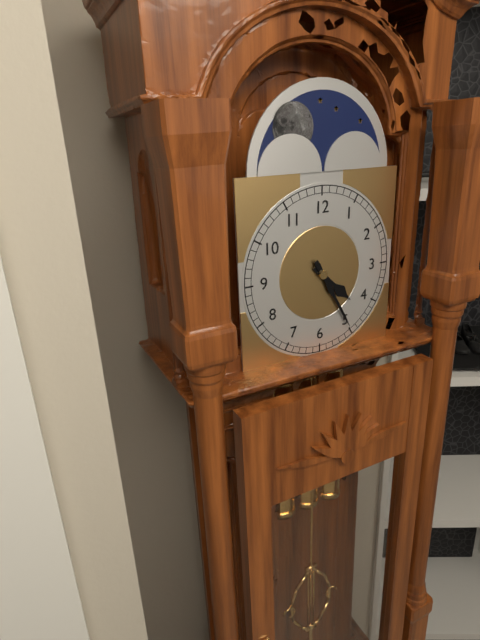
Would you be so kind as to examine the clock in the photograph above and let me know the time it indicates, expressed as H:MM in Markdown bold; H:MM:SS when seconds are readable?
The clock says **4:25**
